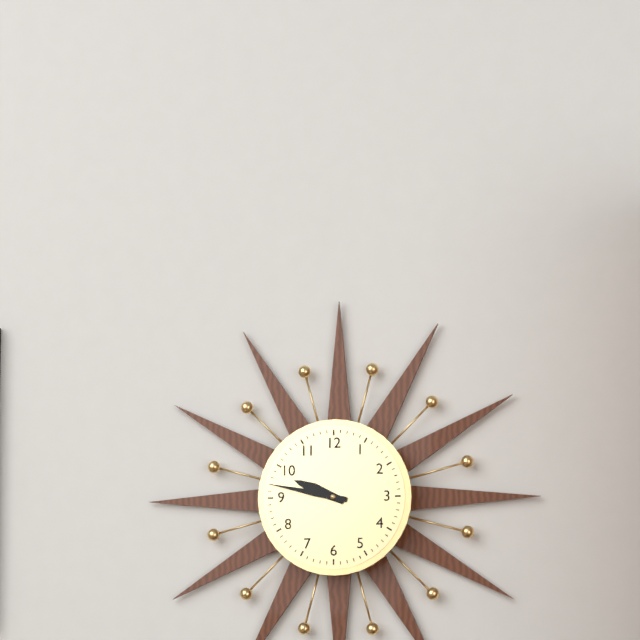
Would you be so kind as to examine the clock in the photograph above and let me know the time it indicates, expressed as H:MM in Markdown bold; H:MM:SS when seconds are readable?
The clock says **9:47**
